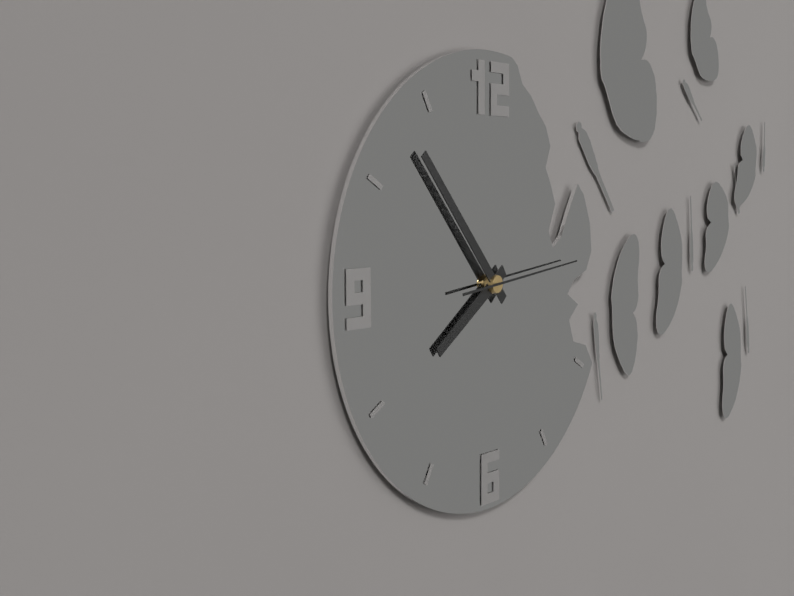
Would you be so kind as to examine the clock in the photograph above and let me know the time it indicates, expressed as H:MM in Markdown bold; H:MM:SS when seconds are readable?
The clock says **7:53:14**
